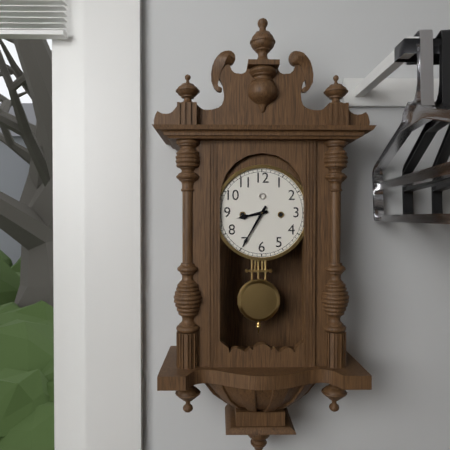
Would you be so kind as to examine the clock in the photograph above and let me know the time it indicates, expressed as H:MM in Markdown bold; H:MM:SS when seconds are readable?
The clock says **8:35**
